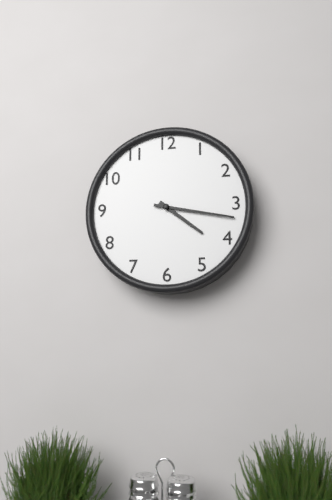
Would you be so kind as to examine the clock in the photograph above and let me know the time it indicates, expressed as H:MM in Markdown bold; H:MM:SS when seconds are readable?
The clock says **4:17**
